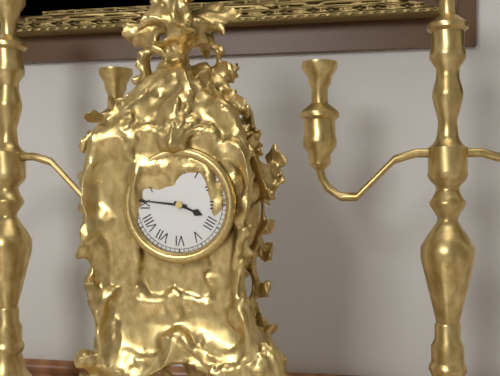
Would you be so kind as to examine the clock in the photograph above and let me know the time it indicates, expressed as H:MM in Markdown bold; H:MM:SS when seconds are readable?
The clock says **3:46**
